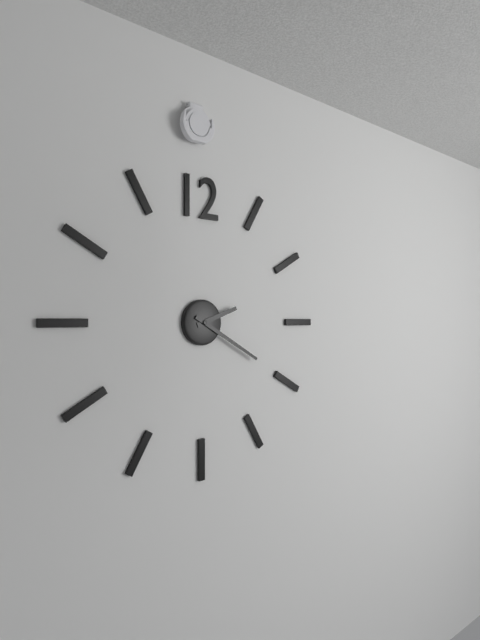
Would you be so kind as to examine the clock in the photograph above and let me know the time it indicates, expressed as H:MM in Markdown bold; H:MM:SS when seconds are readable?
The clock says **2:20**
